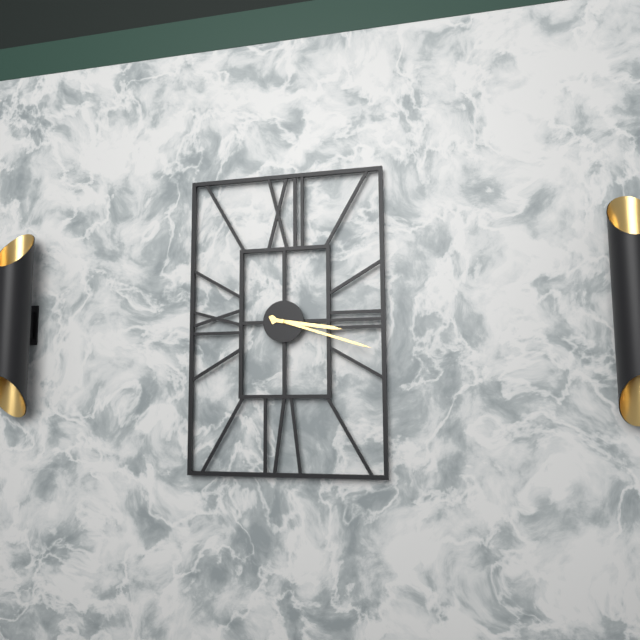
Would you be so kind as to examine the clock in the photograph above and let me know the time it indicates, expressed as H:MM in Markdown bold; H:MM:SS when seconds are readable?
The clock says **3:18**
